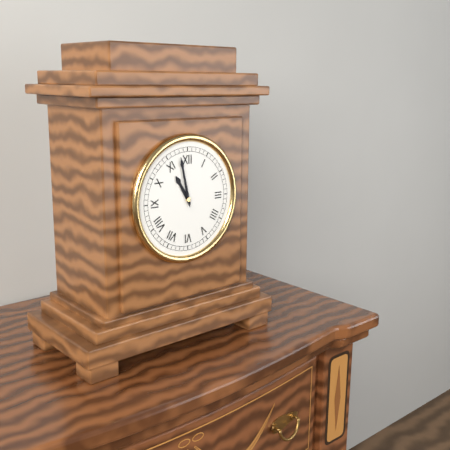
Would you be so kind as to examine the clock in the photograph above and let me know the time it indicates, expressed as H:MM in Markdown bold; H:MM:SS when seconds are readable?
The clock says **10:58**
